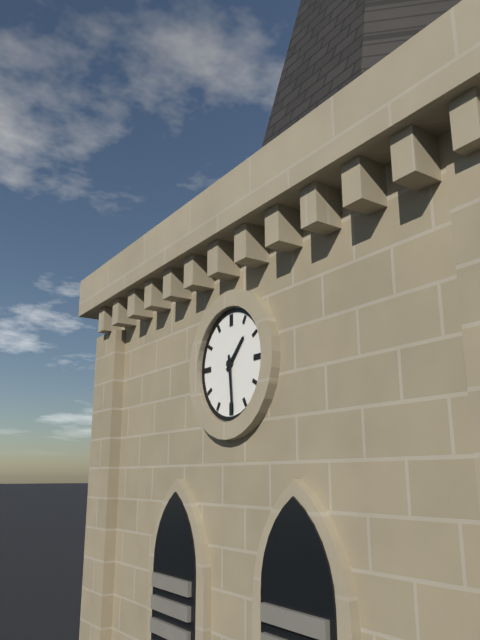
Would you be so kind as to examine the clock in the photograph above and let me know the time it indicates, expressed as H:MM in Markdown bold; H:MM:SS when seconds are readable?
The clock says **1:29**
